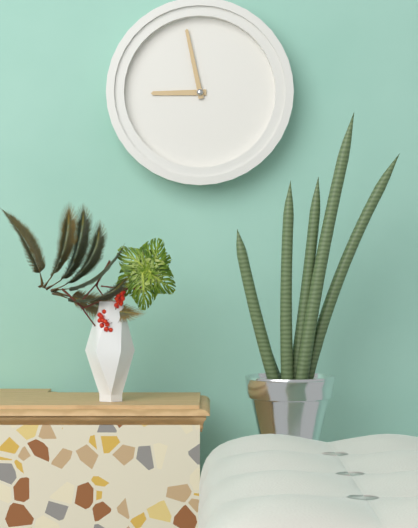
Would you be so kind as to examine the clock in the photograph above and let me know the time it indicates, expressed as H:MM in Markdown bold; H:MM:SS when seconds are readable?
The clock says **8:58**
